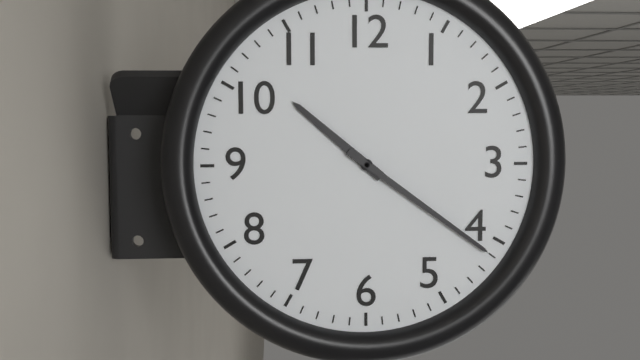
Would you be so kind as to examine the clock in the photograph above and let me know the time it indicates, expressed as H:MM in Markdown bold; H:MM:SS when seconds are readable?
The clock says **10:21**
